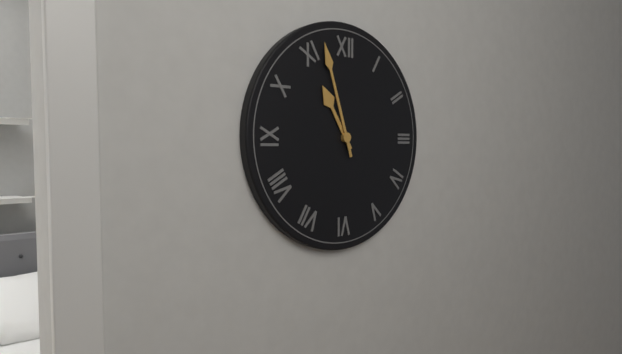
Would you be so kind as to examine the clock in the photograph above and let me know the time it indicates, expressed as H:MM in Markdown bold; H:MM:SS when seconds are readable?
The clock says **10:57**
